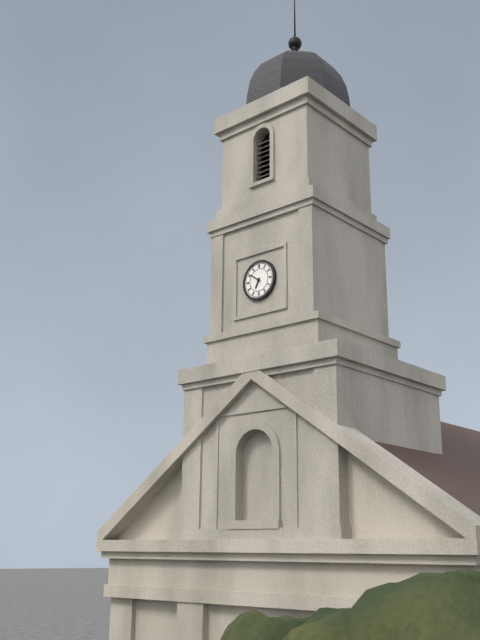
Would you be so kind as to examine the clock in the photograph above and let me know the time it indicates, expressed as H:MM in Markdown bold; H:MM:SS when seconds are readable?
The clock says **6:51**
